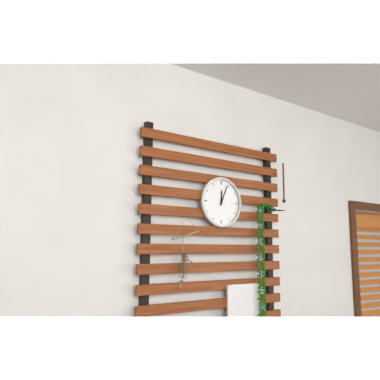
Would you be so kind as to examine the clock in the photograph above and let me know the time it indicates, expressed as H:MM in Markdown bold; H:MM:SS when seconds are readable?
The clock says **12:04**
